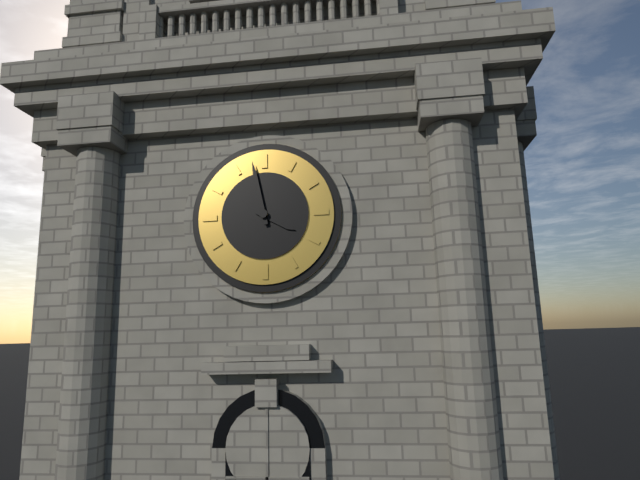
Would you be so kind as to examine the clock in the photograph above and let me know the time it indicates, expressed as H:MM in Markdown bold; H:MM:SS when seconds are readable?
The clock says **3:58**
